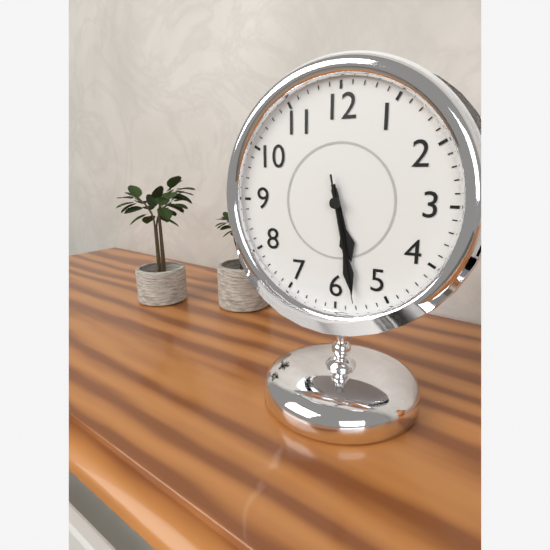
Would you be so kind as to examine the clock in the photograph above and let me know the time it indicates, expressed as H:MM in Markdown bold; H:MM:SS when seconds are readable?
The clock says **5:28:28**
